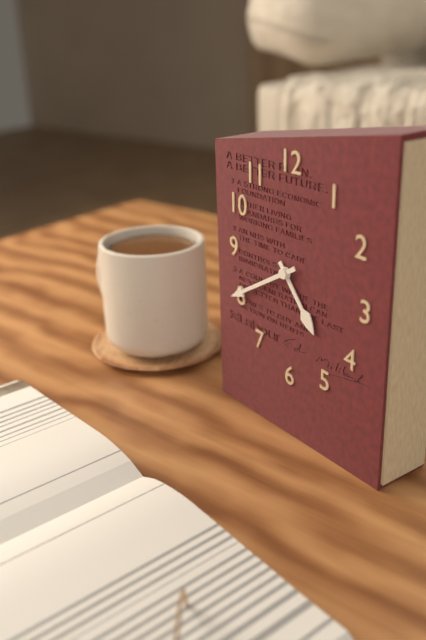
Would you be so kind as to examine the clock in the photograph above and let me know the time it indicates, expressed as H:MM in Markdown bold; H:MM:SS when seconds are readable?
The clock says **4:40**
